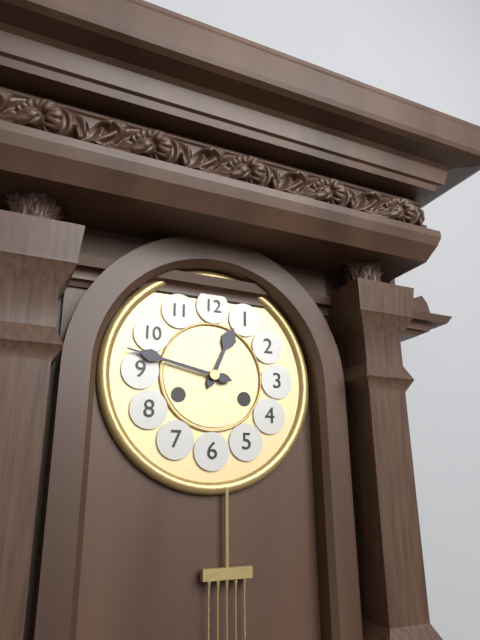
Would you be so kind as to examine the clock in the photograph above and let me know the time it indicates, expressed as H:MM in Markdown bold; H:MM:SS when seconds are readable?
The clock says **12:47**
